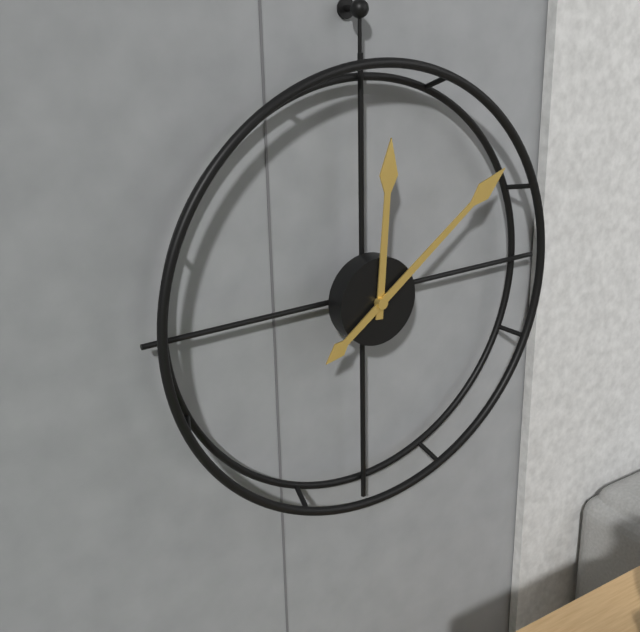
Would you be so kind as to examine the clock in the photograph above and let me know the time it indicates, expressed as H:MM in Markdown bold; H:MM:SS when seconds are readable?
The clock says **12:09**
